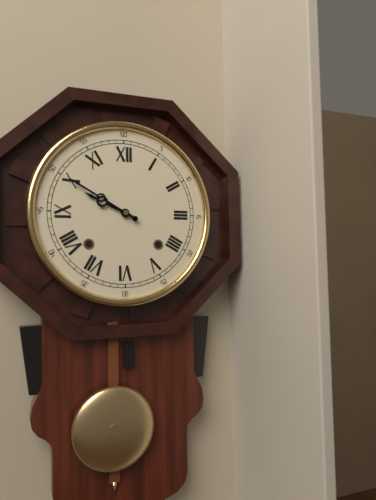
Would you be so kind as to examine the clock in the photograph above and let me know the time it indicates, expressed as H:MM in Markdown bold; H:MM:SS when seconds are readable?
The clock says **9:50**
